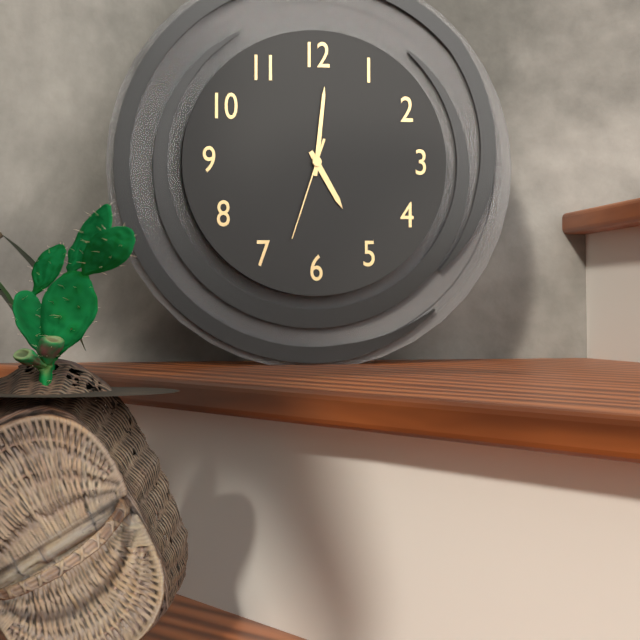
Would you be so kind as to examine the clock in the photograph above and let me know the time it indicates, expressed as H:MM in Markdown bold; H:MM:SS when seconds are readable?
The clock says **5:01:33**
